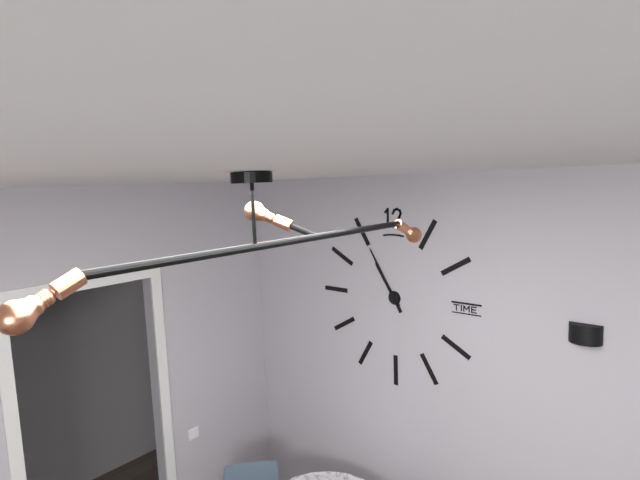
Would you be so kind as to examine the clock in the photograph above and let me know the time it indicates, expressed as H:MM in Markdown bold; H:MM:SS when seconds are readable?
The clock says **10:55**
